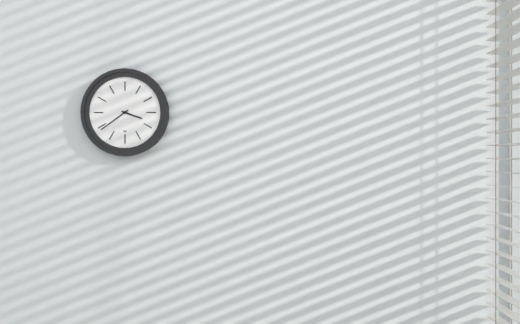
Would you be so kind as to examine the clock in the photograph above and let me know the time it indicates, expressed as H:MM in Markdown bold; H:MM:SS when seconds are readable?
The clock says **3:39**
